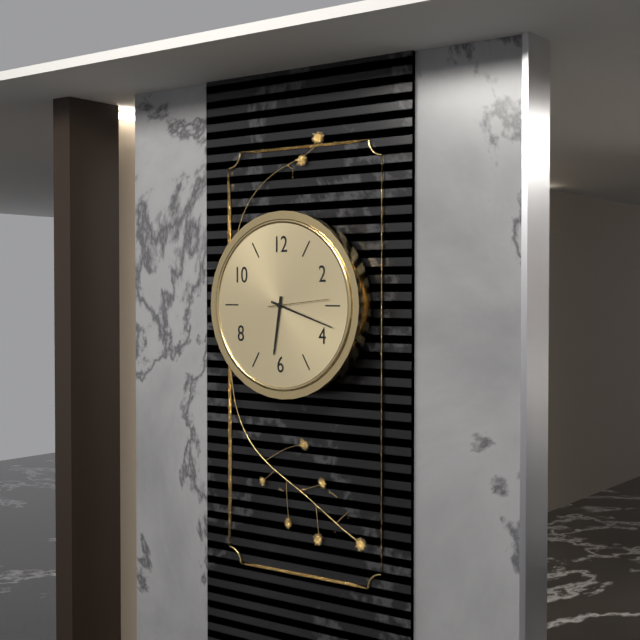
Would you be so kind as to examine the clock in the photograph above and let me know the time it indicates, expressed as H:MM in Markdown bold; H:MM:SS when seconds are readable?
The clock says **6:18:14**
